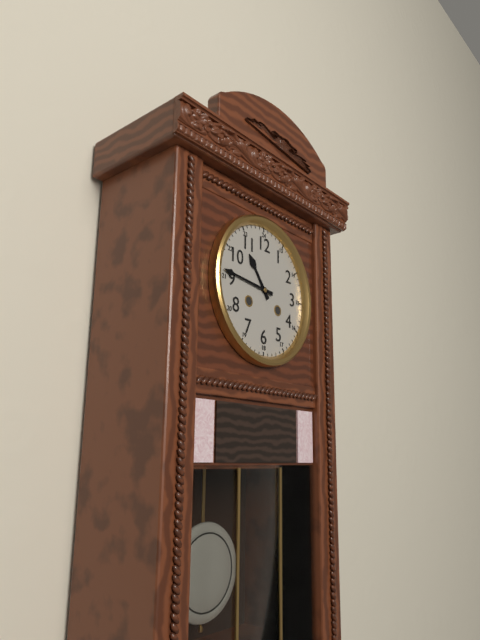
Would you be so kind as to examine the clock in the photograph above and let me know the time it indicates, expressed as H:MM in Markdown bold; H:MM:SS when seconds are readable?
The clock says **10:46**
